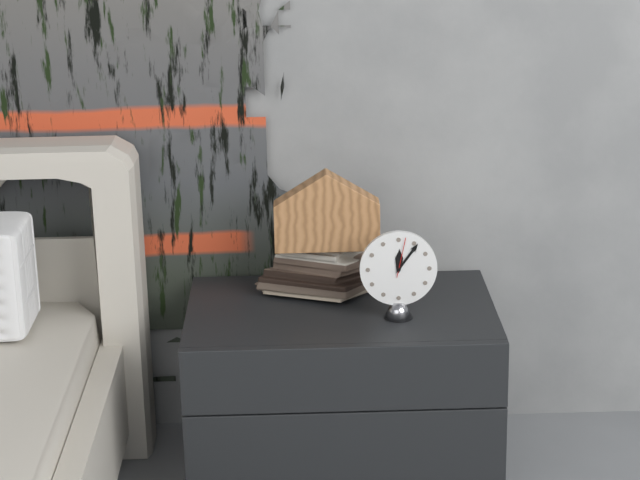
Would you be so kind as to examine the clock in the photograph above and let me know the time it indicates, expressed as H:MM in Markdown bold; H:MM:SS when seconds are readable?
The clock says **12:06**
